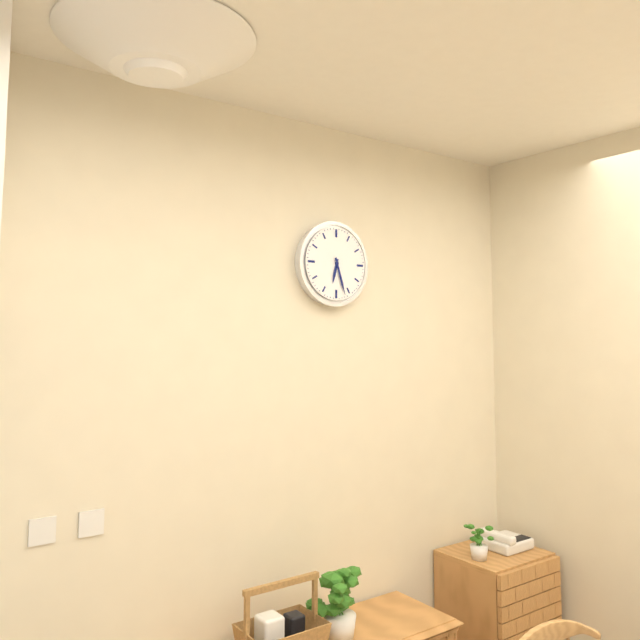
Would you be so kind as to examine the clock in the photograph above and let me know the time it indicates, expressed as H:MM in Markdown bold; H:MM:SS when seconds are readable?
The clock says **6:27**
